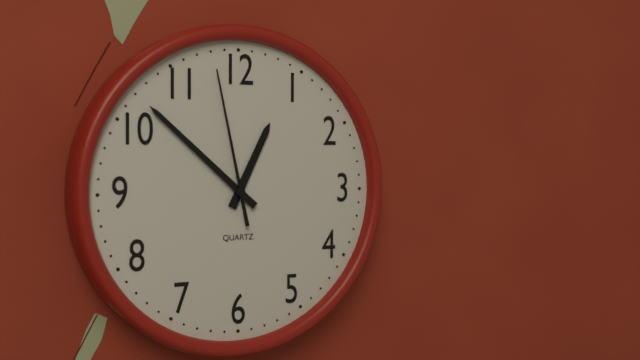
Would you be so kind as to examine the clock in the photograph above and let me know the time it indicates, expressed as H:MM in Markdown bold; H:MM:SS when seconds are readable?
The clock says **12:52:58**
